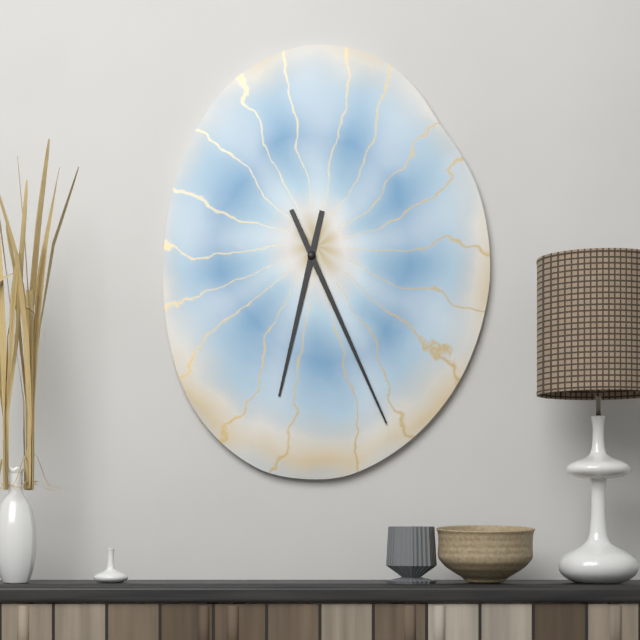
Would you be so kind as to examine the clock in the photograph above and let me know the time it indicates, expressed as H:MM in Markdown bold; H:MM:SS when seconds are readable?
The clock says **6:26**
